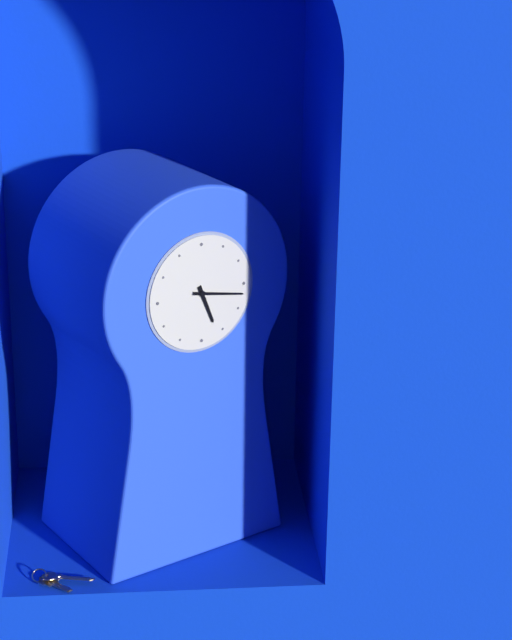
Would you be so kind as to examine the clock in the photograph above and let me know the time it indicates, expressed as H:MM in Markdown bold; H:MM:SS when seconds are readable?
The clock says **5:17**
